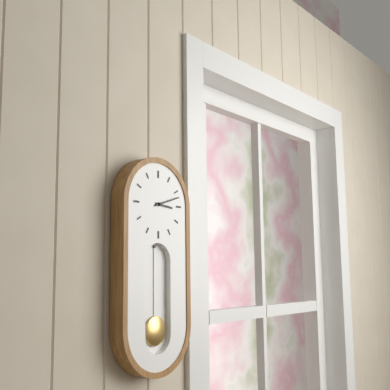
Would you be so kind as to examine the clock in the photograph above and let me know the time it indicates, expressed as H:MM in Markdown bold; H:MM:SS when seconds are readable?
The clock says **3:12**
